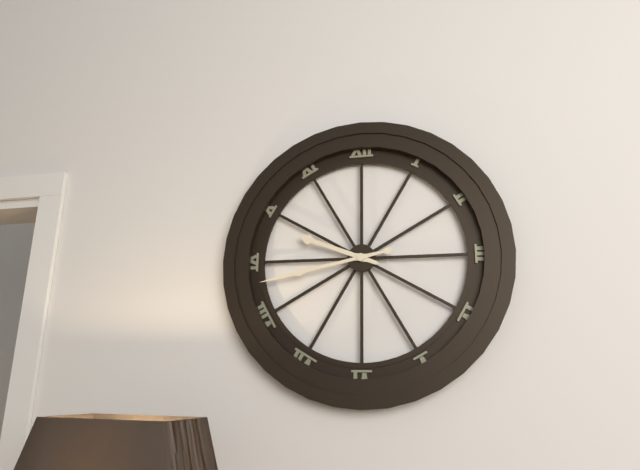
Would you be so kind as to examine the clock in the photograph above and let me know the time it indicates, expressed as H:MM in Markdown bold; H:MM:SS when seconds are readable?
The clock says **9:43**
